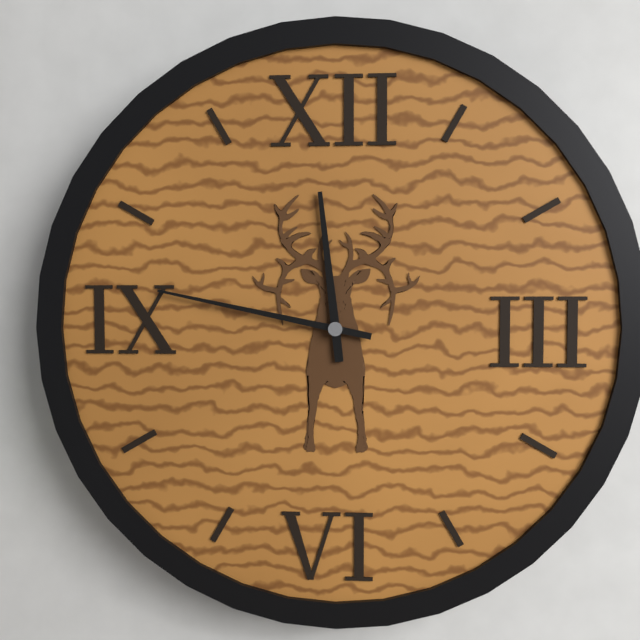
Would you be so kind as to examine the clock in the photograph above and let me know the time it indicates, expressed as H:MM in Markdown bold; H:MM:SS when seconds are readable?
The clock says **11:47**
